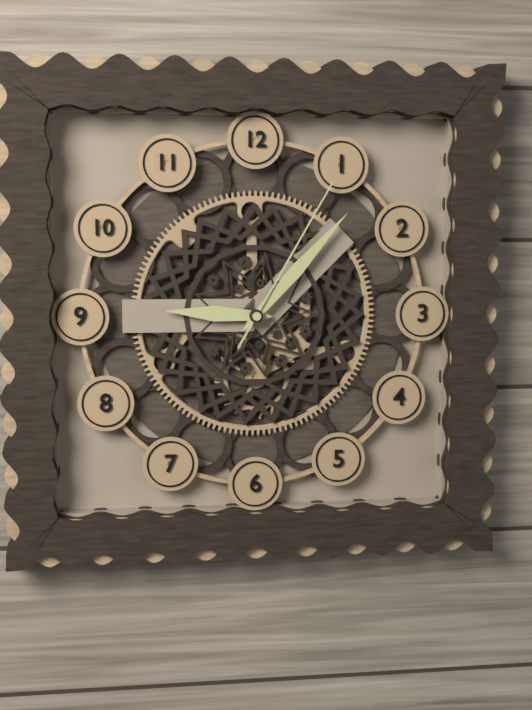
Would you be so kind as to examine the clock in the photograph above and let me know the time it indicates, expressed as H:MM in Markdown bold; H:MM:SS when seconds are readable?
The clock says **9:07:05**
